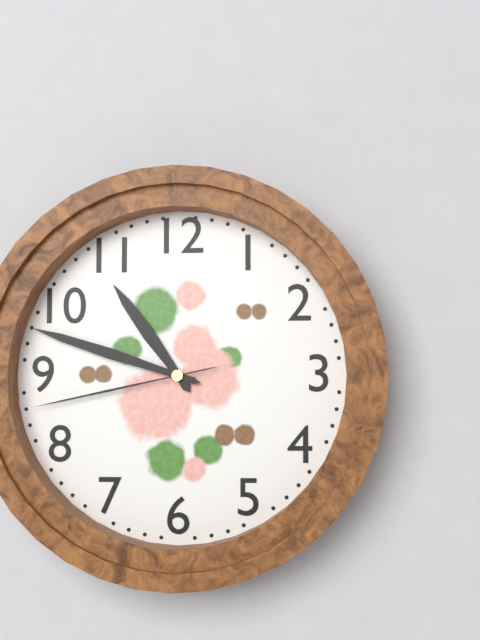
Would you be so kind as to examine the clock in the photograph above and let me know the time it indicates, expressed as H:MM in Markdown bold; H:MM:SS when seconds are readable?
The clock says **10:48:43**
